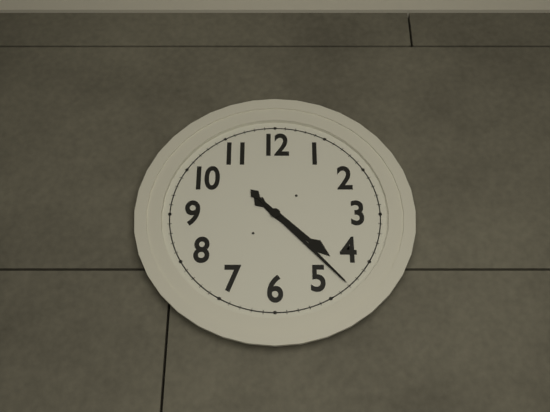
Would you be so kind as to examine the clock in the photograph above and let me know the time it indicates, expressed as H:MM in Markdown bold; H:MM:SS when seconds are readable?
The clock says **4:23**
